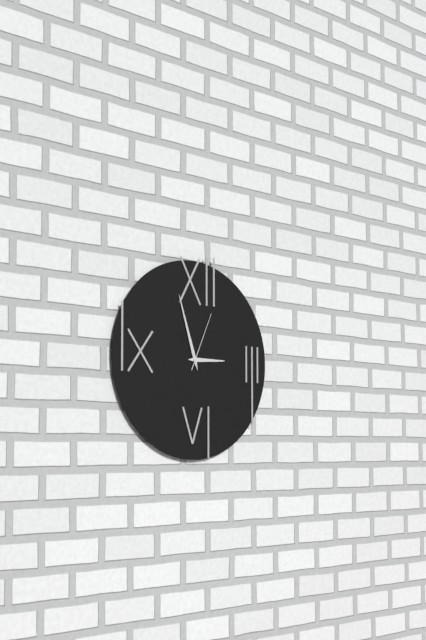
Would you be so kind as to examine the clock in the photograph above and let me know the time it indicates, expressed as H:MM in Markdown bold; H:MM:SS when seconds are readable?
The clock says **2:57:04**
